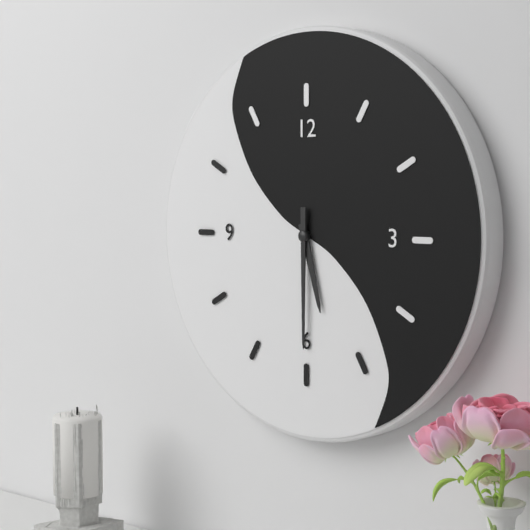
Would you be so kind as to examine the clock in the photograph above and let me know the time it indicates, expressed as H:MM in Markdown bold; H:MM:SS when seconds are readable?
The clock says **5:30**
